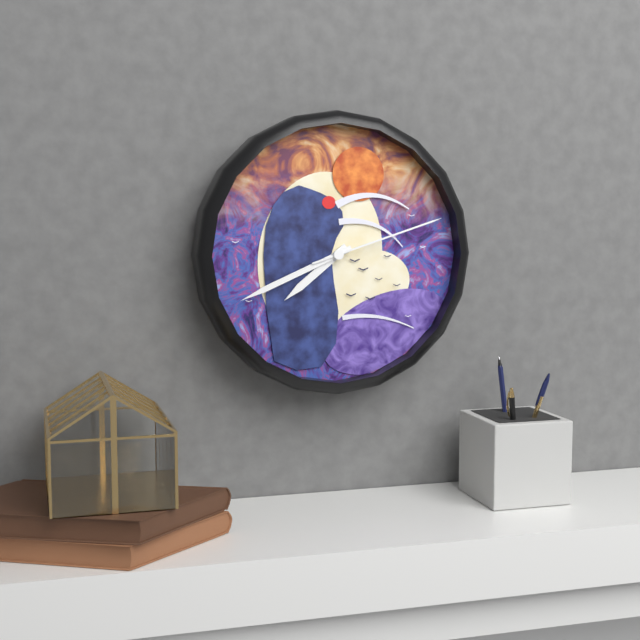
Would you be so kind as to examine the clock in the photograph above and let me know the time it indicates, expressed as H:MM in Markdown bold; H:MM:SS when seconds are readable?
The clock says **7:41:12**
